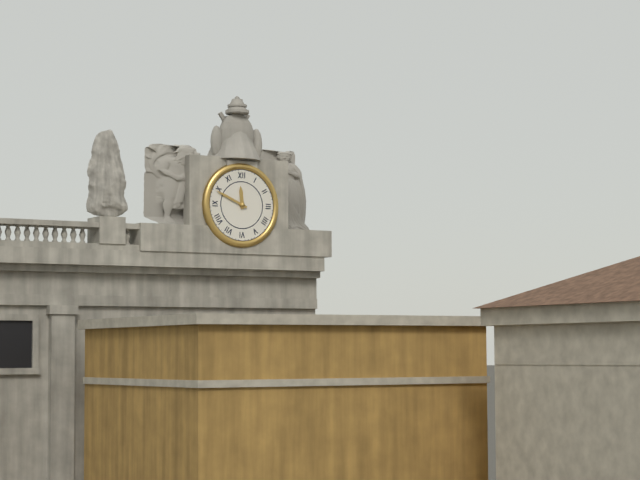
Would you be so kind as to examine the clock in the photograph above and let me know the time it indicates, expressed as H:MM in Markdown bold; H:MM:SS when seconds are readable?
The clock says **11:49**
